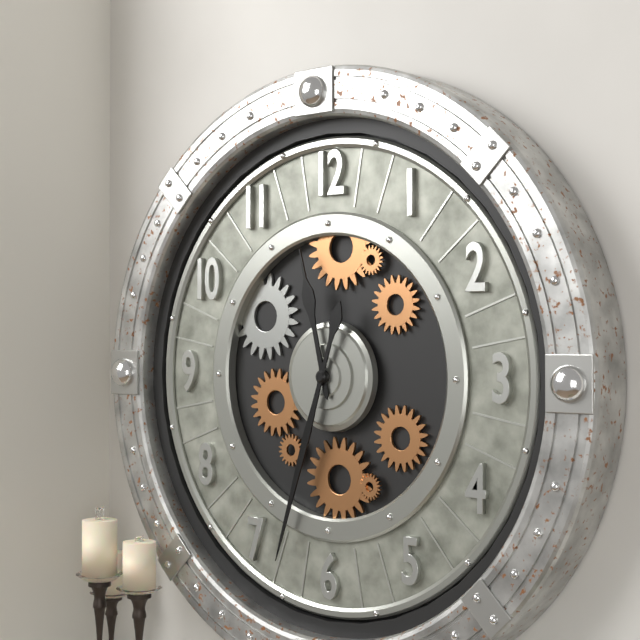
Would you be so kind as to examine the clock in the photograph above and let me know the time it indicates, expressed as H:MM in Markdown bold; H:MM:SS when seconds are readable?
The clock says **11:33**
